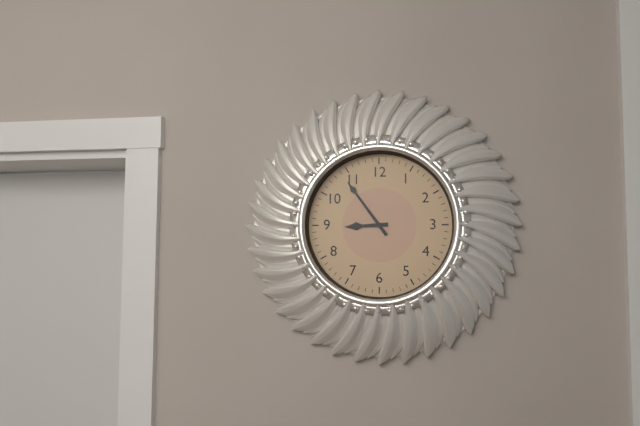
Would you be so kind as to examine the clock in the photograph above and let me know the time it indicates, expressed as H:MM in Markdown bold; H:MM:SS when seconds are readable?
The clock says **8:54**
